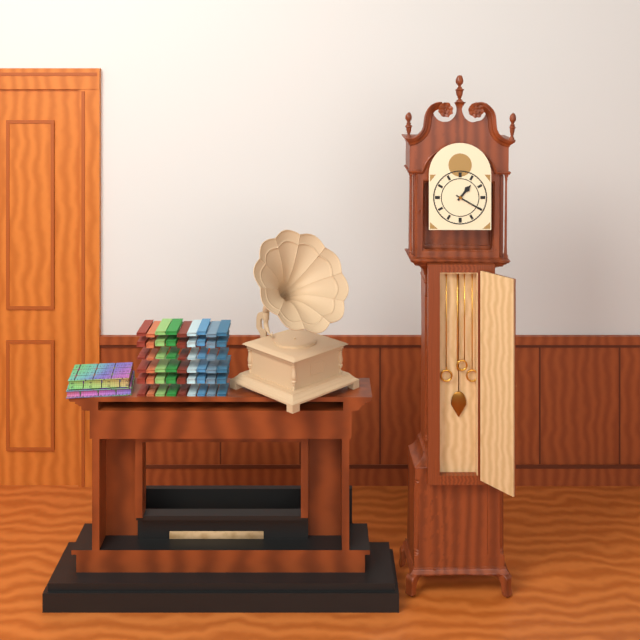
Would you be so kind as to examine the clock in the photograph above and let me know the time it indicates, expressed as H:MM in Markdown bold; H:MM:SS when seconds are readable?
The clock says **1:20**
